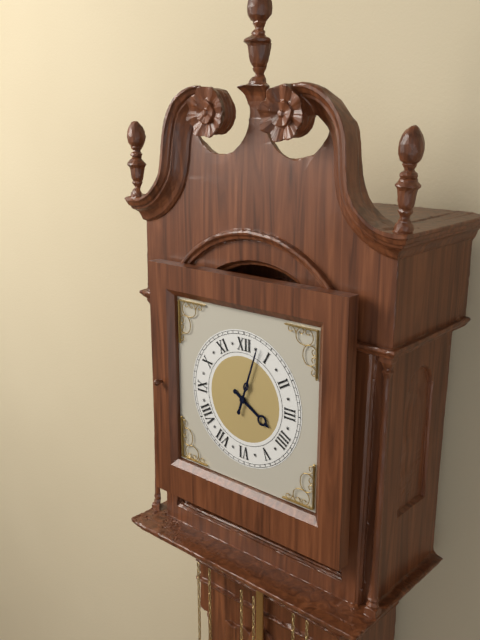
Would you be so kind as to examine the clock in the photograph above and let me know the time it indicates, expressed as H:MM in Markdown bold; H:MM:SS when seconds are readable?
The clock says **4:03**
